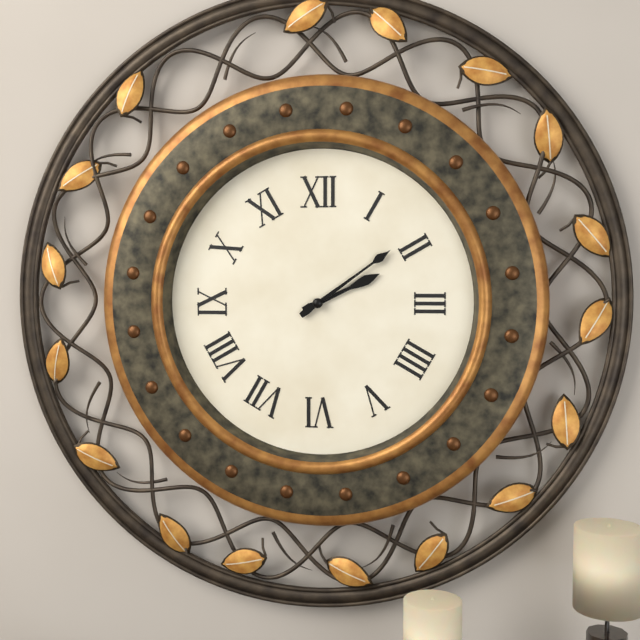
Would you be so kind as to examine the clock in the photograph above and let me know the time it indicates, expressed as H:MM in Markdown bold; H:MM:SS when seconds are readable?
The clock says **2:09**
